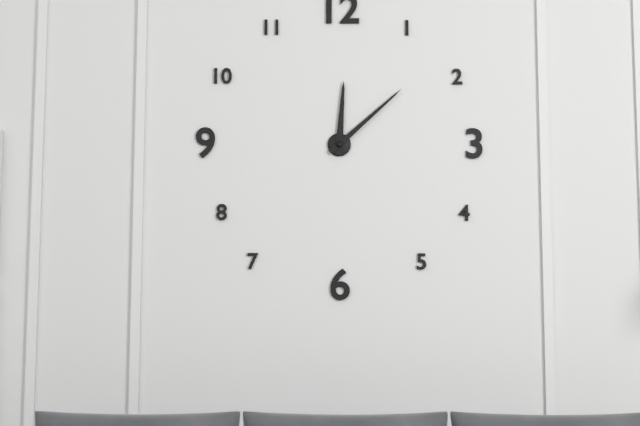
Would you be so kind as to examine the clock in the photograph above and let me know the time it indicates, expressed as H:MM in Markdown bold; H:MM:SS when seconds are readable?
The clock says **12:08**
